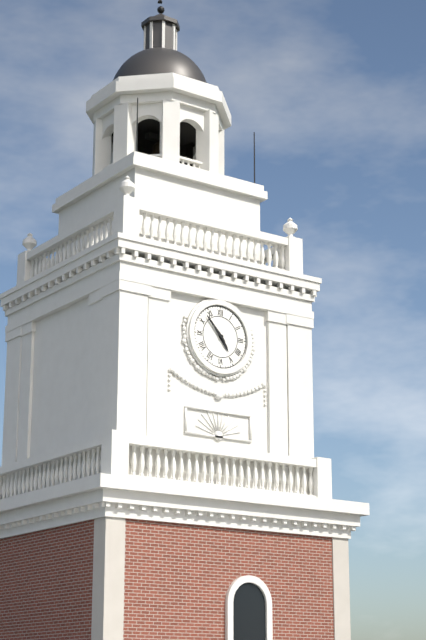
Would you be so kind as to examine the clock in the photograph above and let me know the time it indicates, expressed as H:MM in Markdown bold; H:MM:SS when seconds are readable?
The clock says **4:53**
